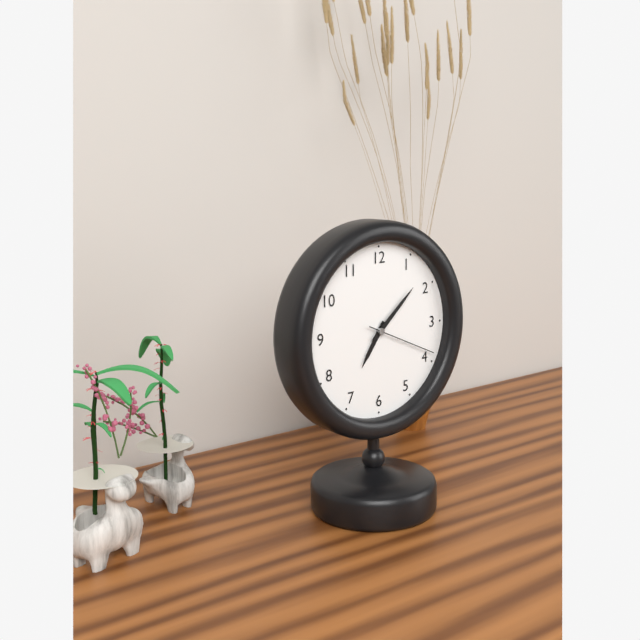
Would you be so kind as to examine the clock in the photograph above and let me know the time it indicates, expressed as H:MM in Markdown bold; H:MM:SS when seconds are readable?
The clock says **7:08:19**
